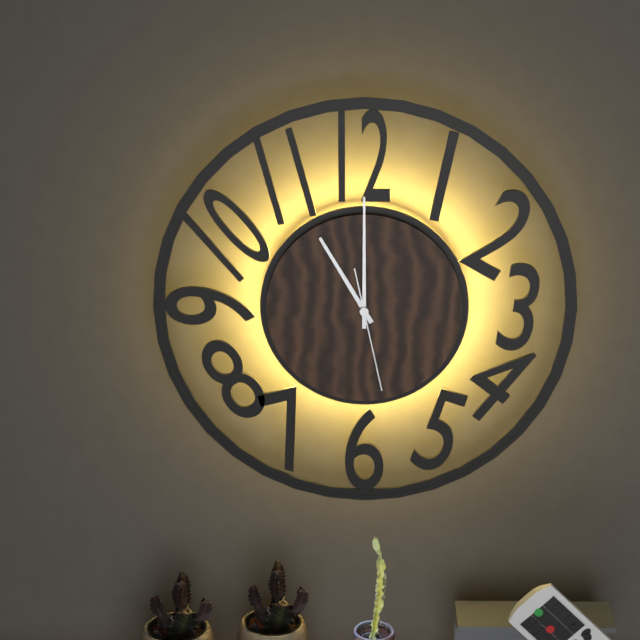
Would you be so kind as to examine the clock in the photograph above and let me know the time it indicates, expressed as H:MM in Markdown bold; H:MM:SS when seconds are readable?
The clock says **11:00:28**
